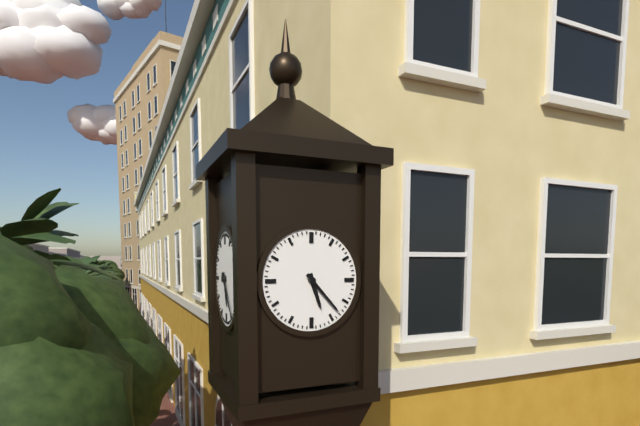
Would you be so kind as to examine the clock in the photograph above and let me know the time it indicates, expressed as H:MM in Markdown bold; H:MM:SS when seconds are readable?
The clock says **5:23**
